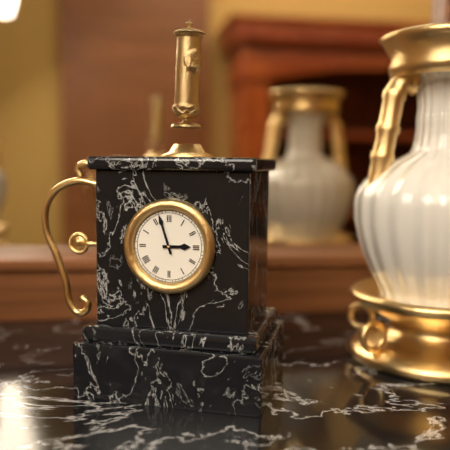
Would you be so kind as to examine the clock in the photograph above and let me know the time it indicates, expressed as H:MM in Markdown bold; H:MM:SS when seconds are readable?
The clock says **2:57**
